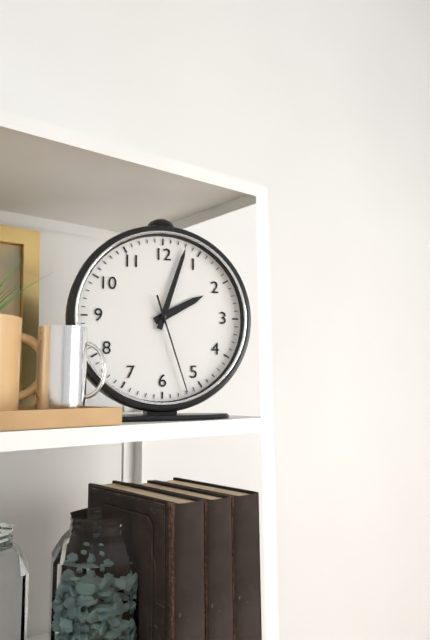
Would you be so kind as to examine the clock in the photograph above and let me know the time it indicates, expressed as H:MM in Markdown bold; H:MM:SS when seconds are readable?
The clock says **2:03:27**
